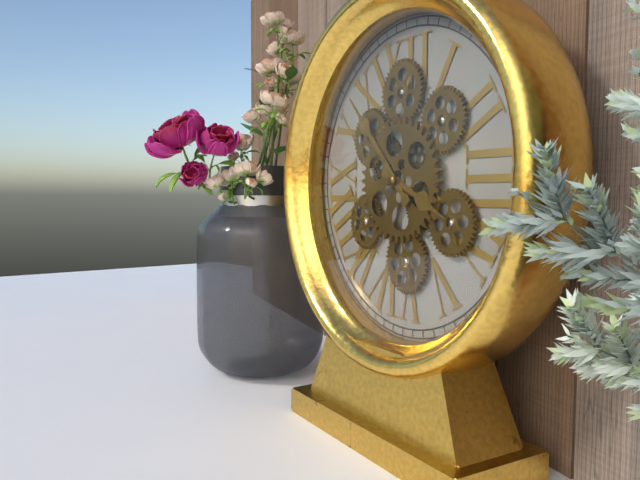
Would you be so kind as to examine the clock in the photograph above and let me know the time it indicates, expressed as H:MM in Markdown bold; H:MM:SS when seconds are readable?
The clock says **3:53**
